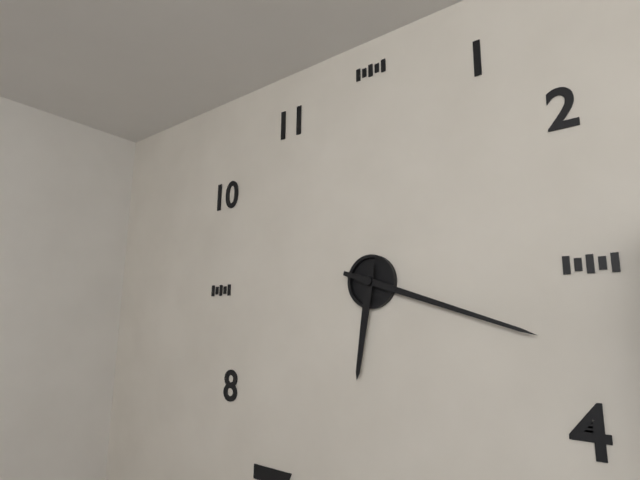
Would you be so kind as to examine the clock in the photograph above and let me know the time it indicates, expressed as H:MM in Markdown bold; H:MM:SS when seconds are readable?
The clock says **6:18**
